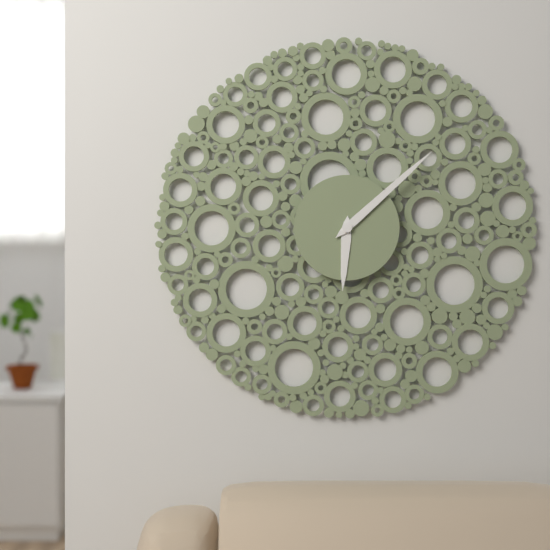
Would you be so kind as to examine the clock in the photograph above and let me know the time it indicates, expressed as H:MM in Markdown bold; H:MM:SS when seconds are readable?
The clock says **6:08**
